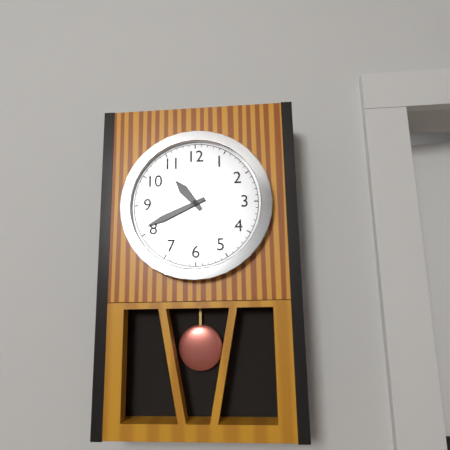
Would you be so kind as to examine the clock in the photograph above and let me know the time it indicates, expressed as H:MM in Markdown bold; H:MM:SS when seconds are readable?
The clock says **10:41**
